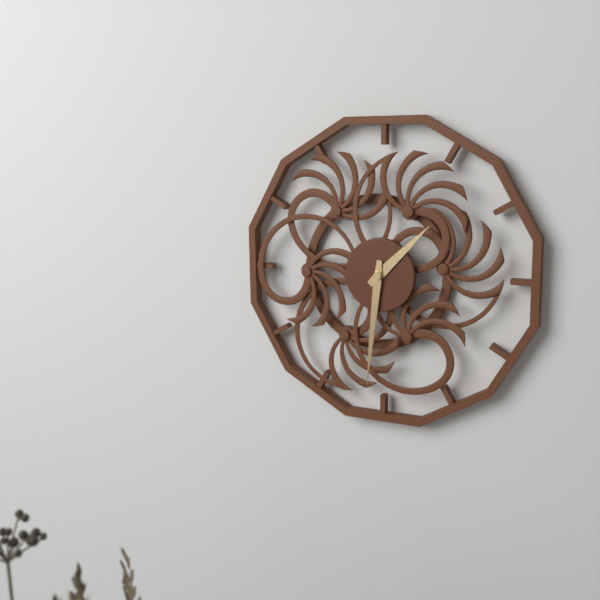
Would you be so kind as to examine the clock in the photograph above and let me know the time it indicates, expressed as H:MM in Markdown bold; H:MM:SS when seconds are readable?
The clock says **1:31**
